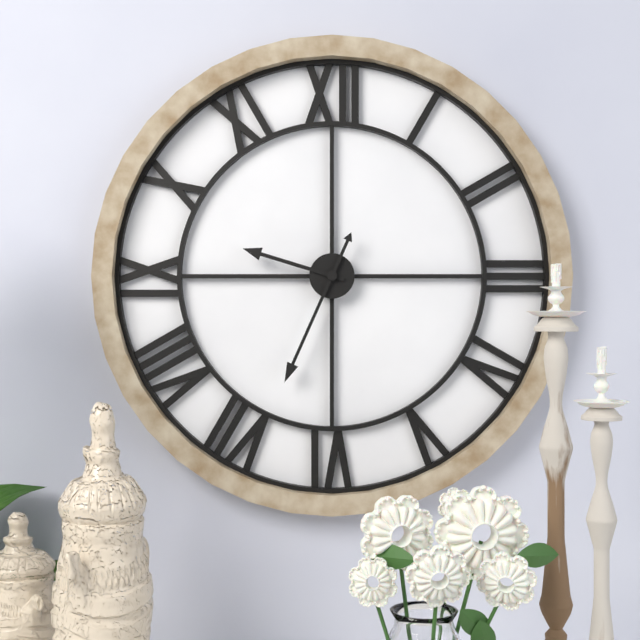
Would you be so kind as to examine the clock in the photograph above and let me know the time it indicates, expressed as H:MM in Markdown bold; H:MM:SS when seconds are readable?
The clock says **9:34**
